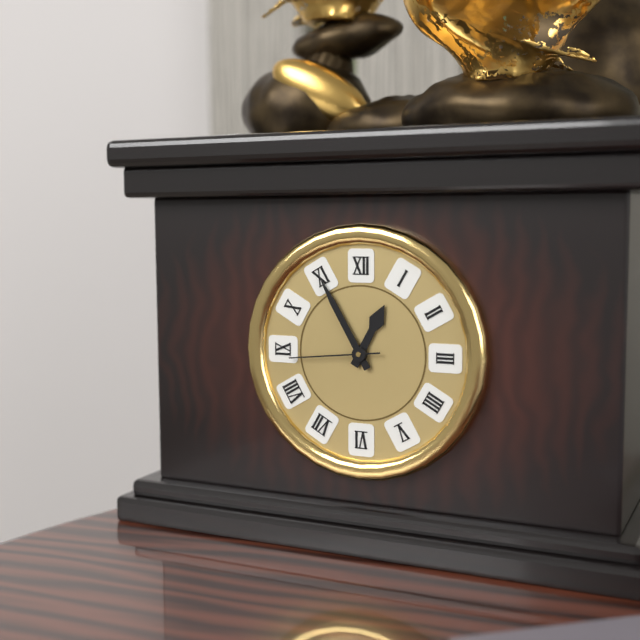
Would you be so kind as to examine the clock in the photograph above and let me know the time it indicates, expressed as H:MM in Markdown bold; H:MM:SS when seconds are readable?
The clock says **12:55:44**
